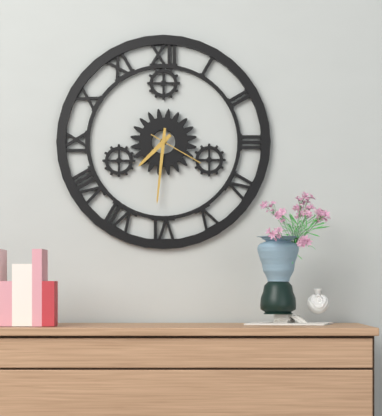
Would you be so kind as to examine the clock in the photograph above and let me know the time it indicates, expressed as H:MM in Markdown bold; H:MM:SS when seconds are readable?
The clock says **7:31:20**
